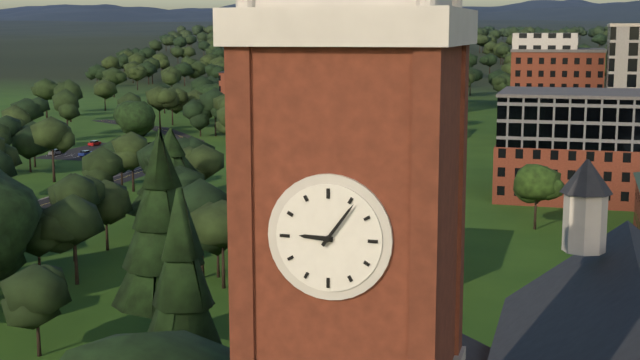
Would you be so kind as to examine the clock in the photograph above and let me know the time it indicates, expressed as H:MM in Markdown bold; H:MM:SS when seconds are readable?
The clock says **9:06**
